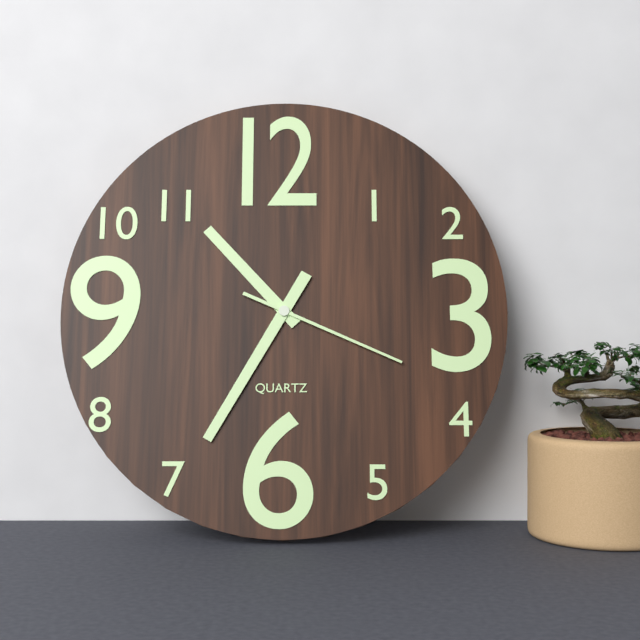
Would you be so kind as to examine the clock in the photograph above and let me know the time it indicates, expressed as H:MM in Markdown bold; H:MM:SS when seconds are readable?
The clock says **10:35:19**
